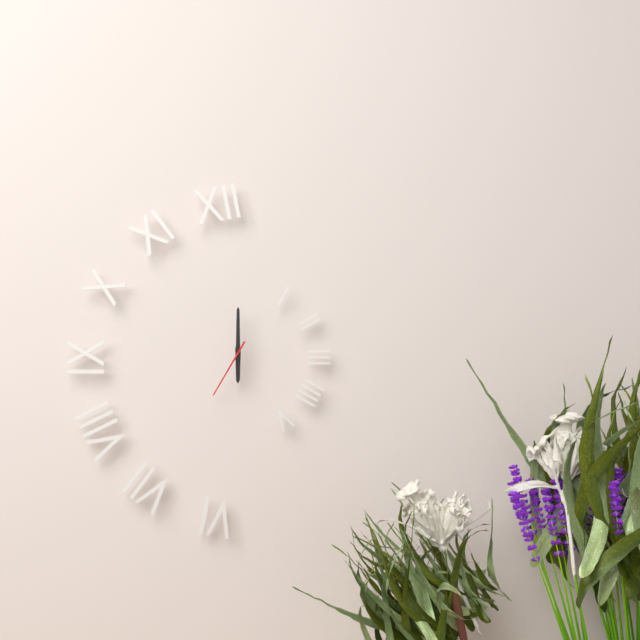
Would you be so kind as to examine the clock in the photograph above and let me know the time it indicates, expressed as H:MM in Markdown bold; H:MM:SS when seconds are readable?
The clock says **6:00:35**
